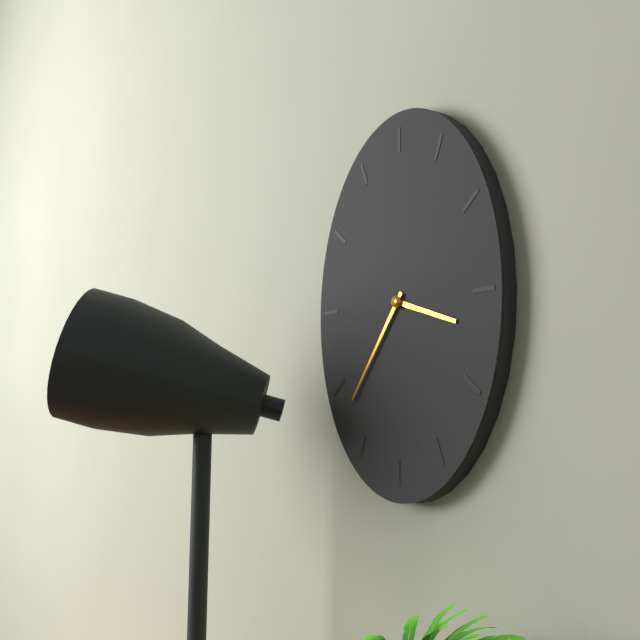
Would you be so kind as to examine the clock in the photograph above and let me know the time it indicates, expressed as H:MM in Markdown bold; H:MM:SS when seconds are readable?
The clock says **3:36**
